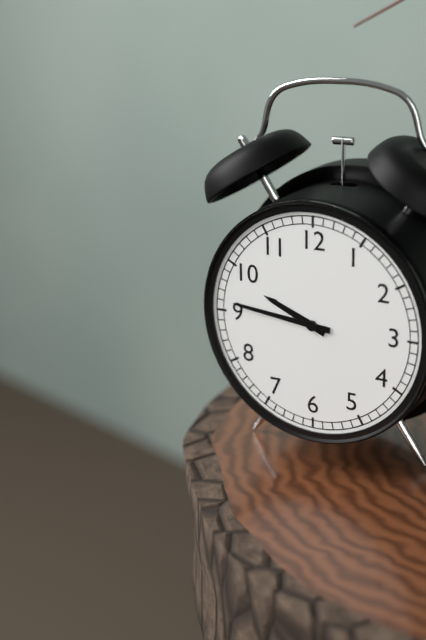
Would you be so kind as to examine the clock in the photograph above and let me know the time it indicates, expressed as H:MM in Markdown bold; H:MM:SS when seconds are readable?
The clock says **9:46**
